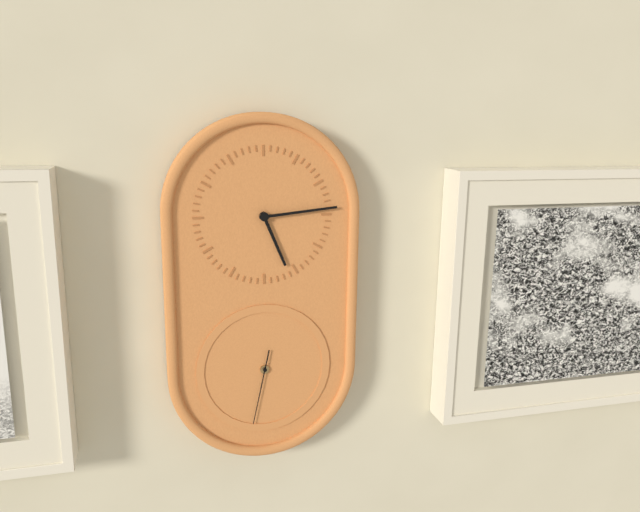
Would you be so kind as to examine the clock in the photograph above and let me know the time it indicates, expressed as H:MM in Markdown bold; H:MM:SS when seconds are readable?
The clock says **5:14:32**
